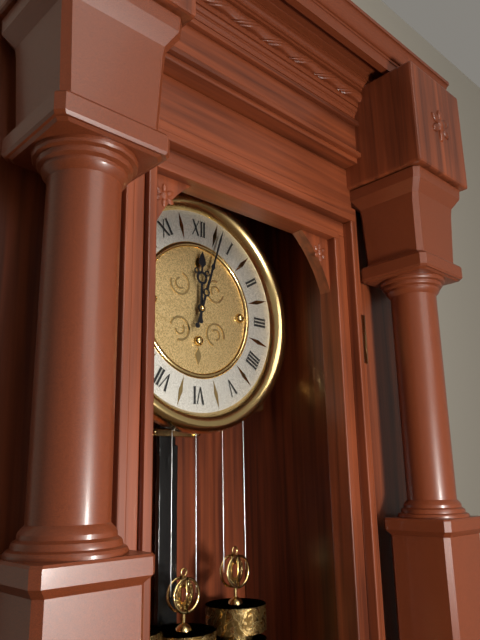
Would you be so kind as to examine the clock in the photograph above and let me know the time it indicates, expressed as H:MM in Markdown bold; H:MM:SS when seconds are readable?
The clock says **12:03**
